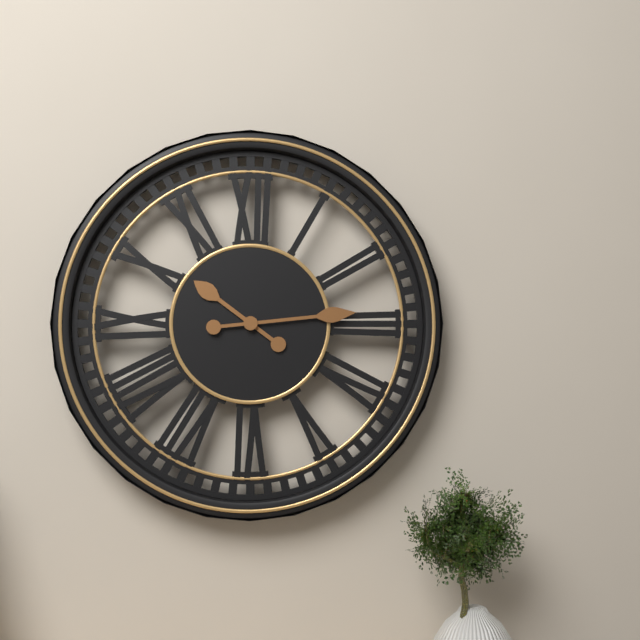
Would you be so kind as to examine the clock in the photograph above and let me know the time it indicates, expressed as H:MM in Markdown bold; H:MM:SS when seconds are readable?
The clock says **10:14**
